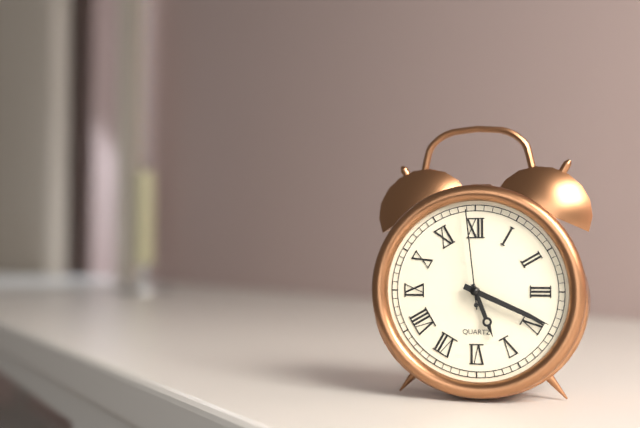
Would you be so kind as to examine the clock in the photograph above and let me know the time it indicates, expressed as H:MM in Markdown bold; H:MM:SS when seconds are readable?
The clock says **5:19:59**
